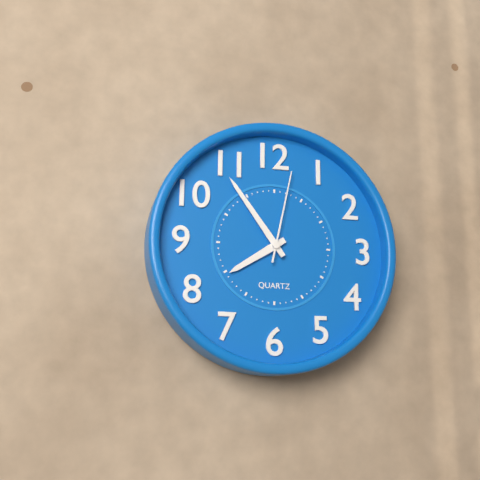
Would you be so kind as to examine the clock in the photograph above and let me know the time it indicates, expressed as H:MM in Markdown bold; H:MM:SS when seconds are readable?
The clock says **7:54:02**
